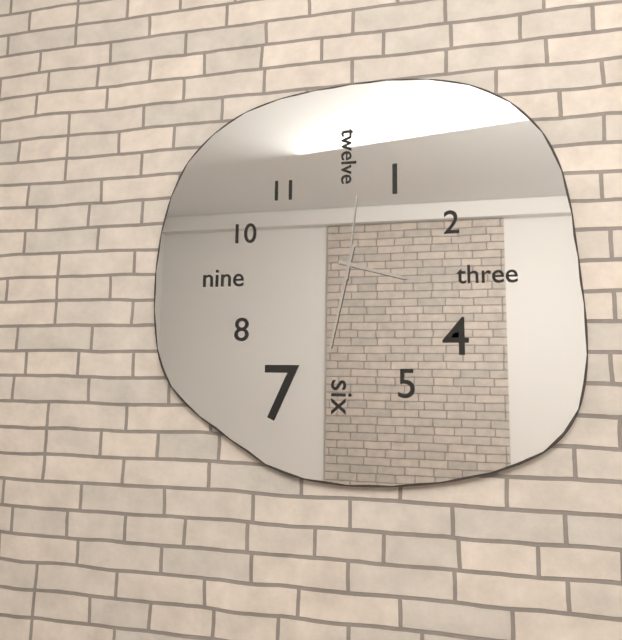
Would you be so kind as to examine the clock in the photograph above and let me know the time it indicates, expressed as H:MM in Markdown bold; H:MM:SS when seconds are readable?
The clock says **3:32:01**
